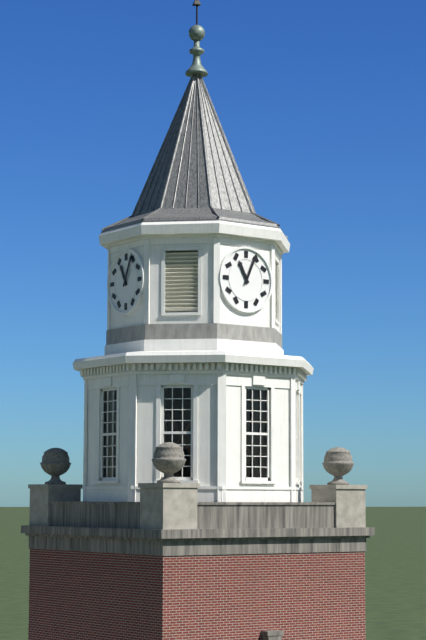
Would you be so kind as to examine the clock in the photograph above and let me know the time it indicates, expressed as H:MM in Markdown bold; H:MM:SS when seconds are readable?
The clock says **11:04**
